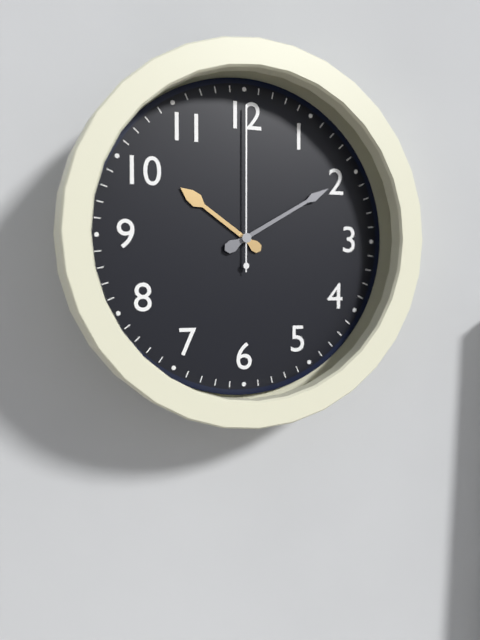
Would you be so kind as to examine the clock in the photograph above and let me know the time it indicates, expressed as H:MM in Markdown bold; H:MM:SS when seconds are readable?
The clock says **10:10:00**
